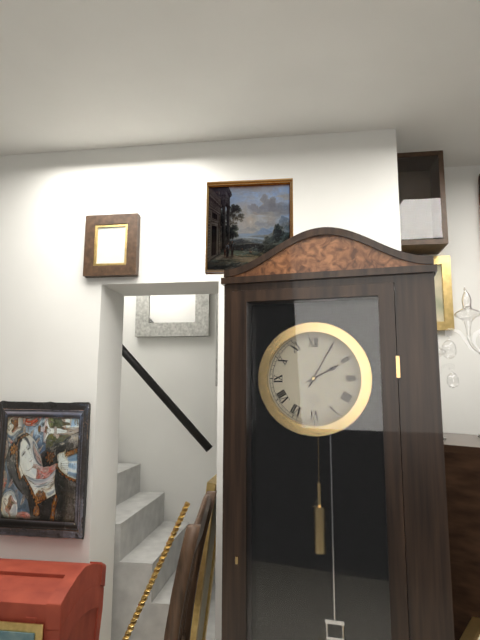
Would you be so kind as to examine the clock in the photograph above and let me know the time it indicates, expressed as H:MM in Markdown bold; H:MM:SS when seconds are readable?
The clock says **2:05**
